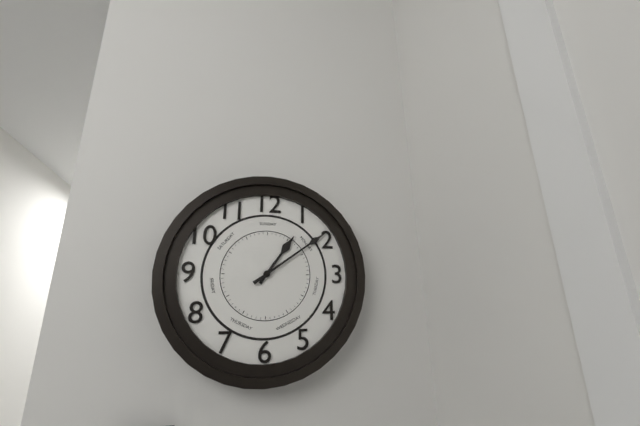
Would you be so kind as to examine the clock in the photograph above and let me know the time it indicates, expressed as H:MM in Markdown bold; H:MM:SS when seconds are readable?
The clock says **1:09**
